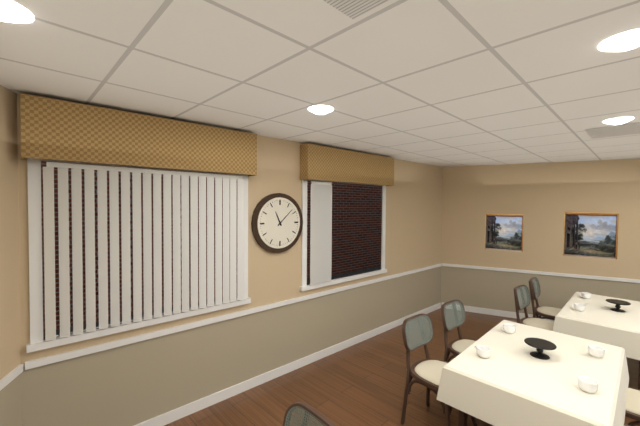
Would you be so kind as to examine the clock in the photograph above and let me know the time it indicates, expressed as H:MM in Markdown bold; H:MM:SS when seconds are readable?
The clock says **11:08**
